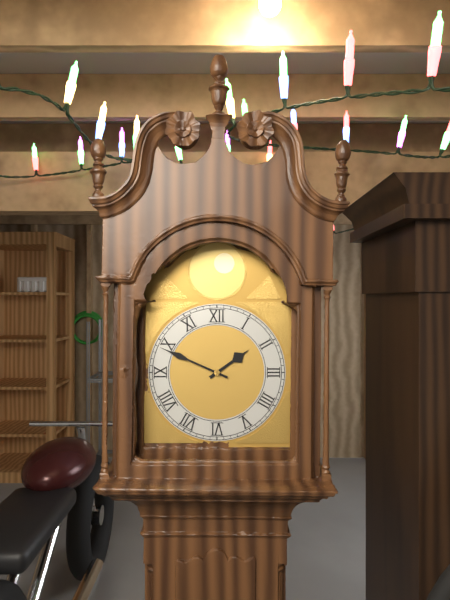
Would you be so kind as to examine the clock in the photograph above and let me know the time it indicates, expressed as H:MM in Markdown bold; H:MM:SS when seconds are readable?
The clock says **1:49**
